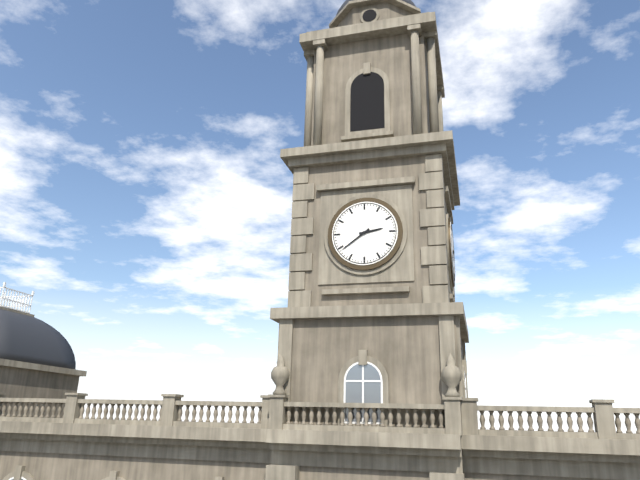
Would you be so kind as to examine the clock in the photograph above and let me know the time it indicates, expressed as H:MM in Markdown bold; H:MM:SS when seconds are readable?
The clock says **2:39**
